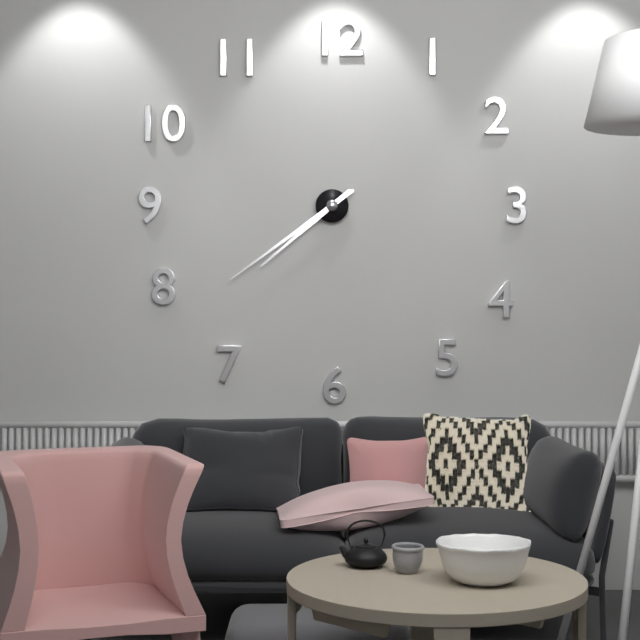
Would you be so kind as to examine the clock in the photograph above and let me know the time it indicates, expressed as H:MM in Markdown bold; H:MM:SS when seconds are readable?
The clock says **7:39**
